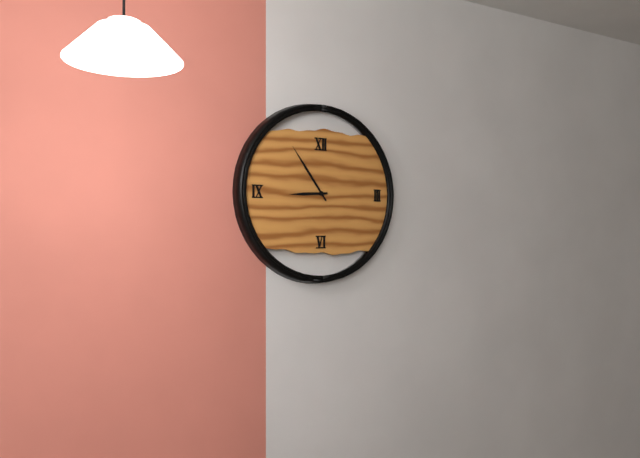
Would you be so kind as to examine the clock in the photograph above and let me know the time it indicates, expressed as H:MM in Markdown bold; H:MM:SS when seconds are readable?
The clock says **8:54**
